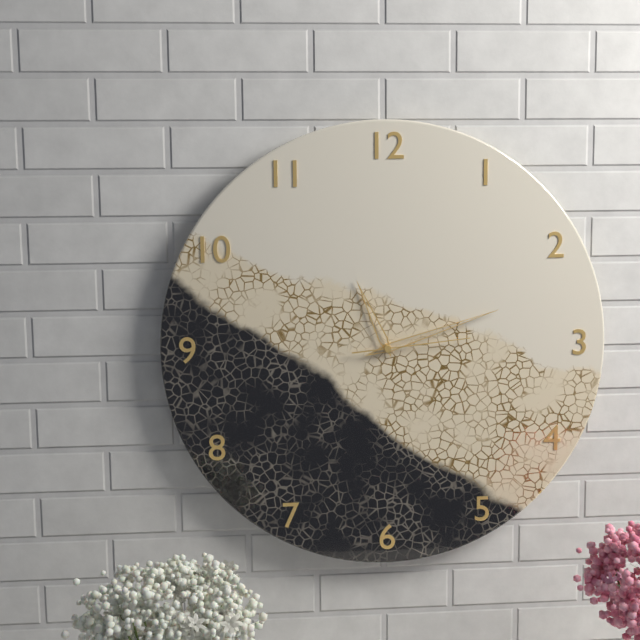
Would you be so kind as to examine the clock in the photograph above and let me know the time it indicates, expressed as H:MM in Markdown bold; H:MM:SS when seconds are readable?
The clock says **11:12:14**
